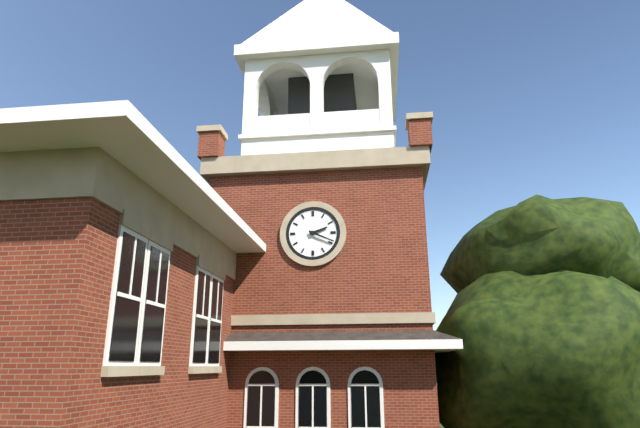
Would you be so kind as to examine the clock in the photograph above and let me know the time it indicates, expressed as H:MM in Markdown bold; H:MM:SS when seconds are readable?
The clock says **2:19**
